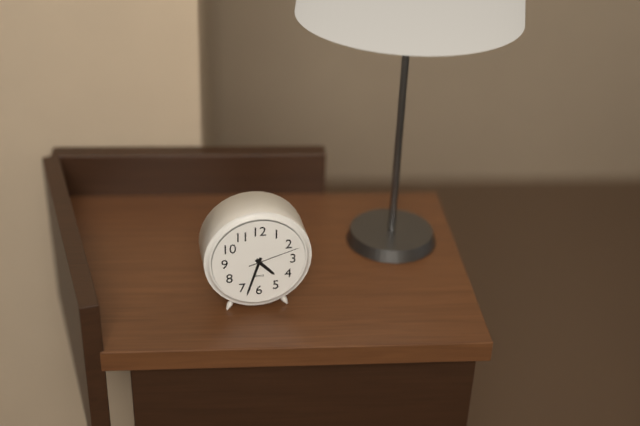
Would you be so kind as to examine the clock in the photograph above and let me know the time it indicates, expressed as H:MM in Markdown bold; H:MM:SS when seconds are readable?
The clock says **4:33:12**
